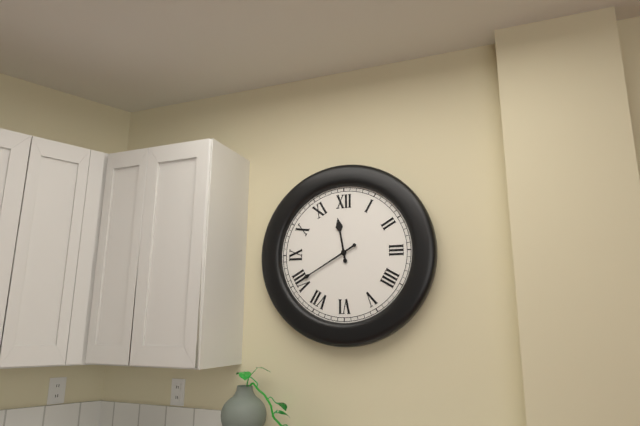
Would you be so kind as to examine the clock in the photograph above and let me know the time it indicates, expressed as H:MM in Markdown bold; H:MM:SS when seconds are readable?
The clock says **11:40**
